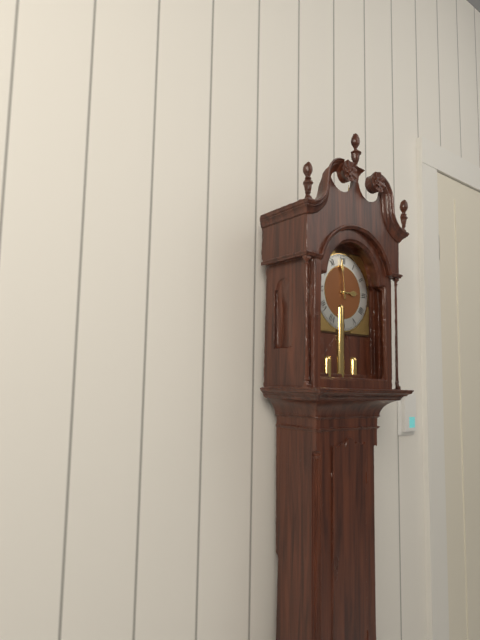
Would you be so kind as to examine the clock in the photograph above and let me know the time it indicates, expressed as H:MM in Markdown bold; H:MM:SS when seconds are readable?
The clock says **2:59**
